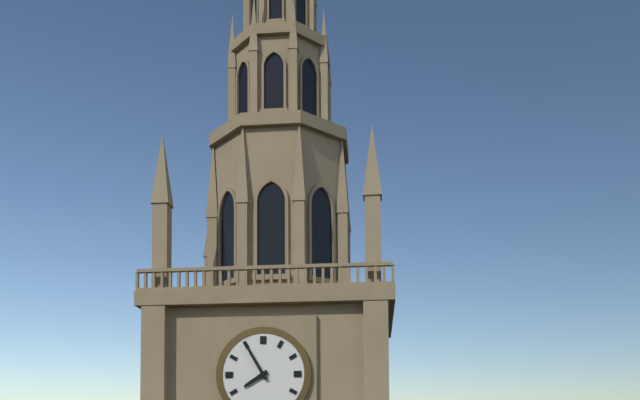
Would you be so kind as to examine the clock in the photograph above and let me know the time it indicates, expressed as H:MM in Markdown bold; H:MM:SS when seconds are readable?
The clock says **7:55**
